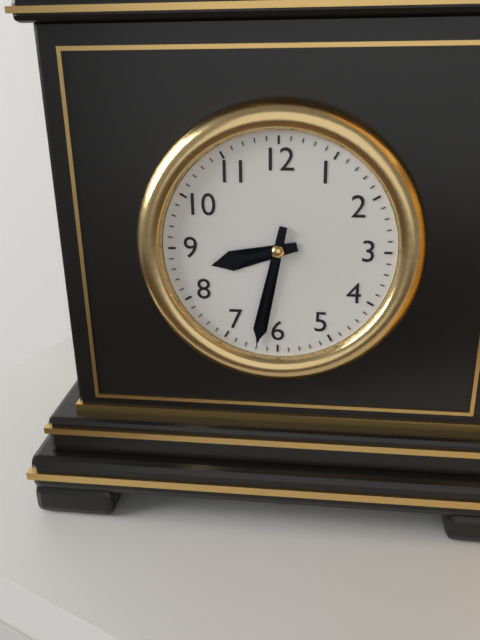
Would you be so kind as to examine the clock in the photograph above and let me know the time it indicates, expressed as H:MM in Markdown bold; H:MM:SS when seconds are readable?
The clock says **8:32**
